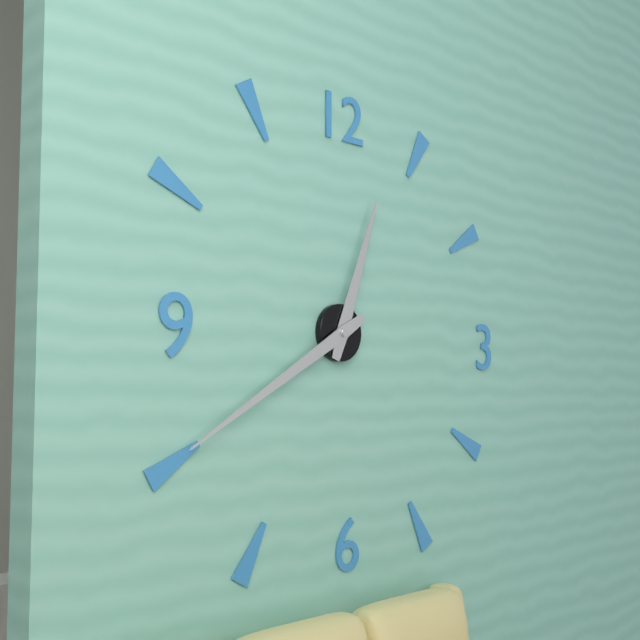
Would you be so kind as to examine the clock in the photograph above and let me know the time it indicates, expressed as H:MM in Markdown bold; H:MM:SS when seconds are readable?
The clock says **12:40**
